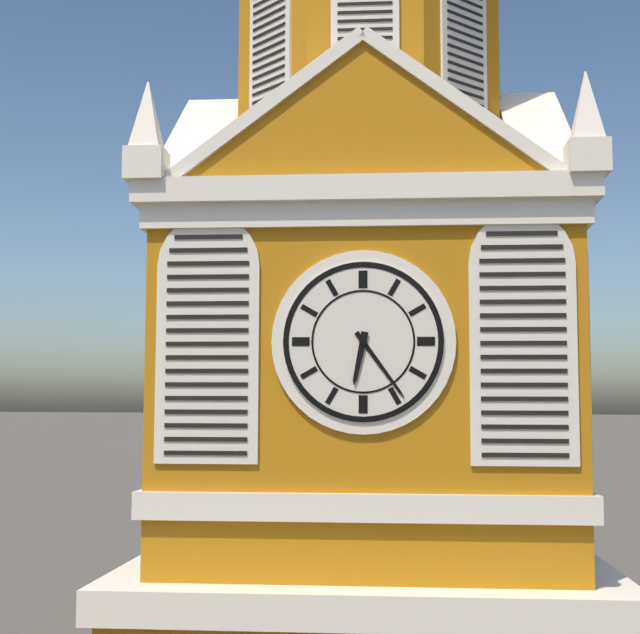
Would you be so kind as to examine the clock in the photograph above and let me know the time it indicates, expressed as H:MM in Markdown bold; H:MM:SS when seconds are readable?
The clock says **6:24**
